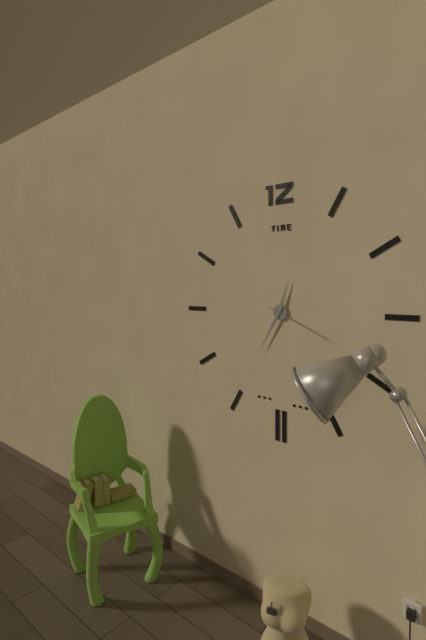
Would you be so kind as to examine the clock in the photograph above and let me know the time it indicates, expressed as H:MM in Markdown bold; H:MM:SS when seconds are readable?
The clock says **12:35:19**
